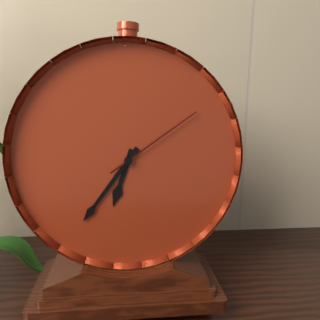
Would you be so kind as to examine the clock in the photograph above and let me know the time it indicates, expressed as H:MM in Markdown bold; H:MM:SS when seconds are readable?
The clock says **6:36:09**
